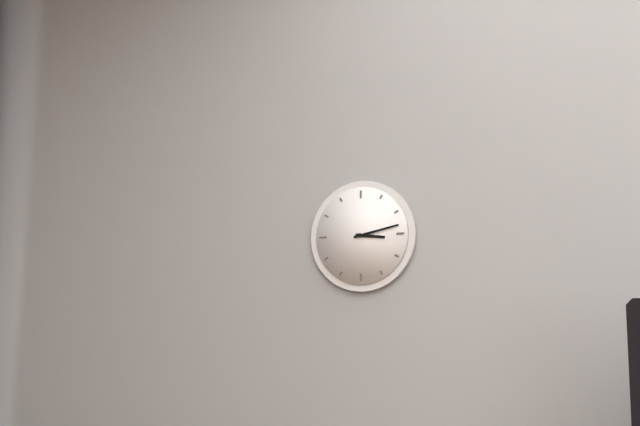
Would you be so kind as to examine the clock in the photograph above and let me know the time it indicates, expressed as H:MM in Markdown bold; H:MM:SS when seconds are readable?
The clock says **3:13**
